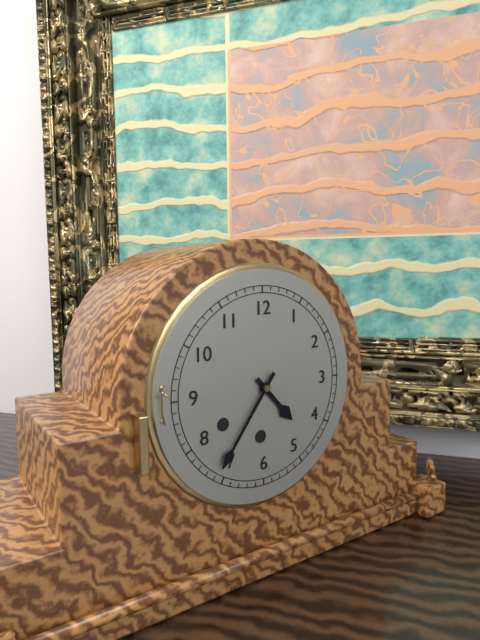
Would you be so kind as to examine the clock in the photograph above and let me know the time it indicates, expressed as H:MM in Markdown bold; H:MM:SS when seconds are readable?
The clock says **4:36**
